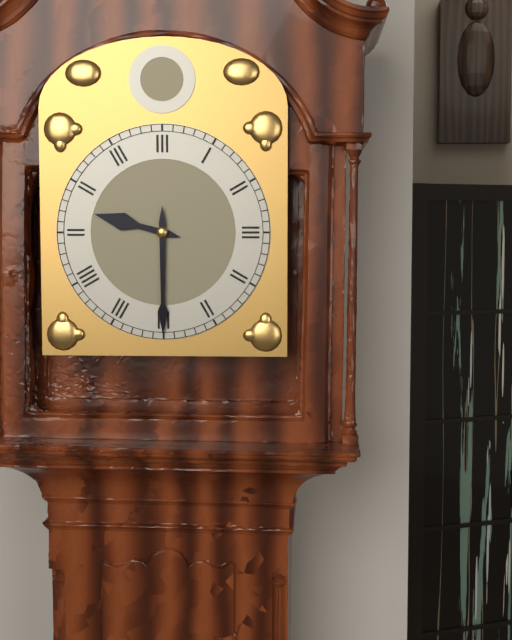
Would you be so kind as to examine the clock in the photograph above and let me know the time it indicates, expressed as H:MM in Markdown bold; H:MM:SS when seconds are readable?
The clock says **9:30**
